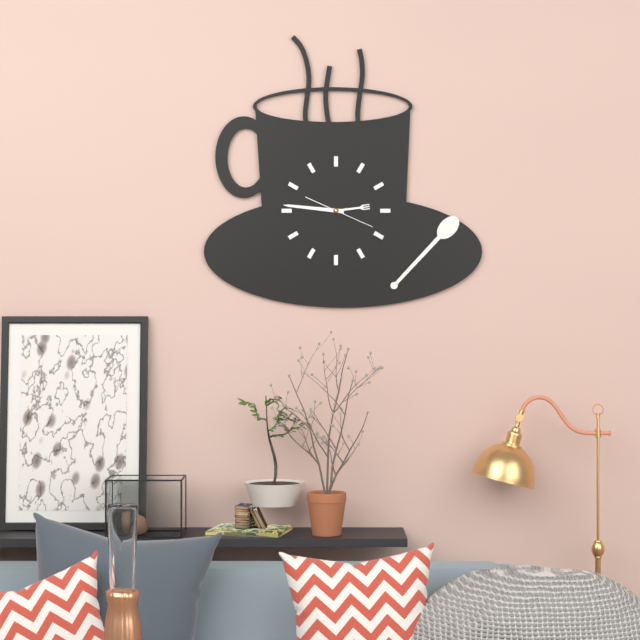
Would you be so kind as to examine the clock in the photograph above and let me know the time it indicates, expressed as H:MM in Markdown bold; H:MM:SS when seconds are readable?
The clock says **2:46**
